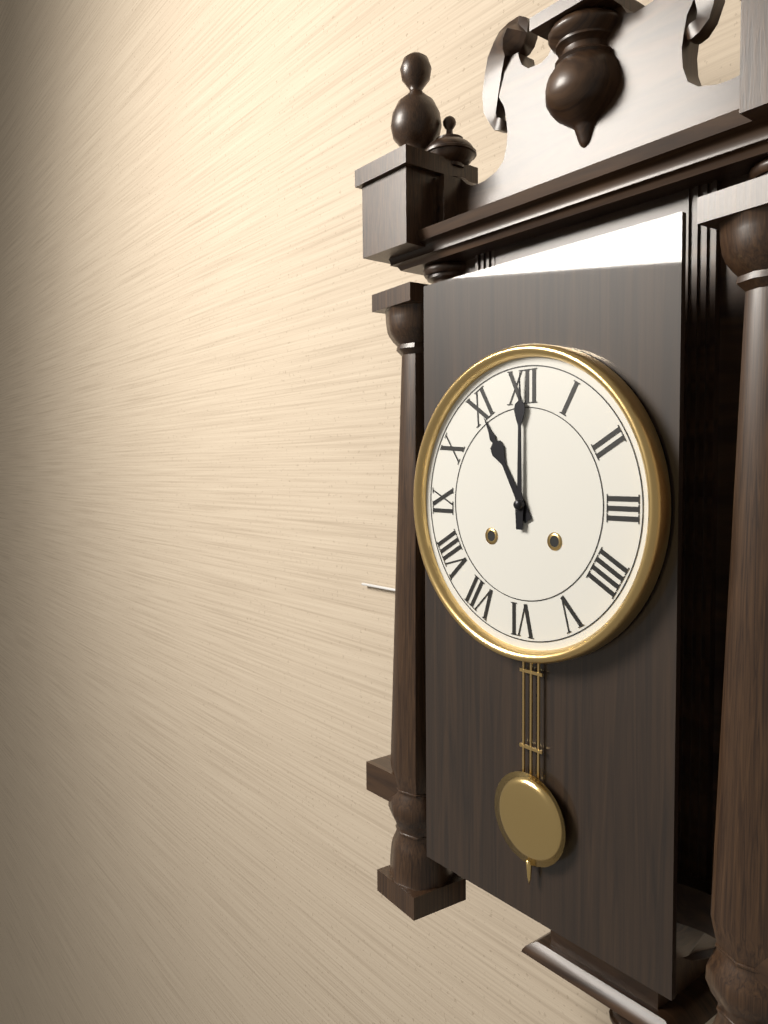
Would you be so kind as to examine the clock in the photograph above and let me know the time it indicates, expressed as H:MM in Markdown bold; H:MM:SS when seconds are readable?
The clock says **11:00**
